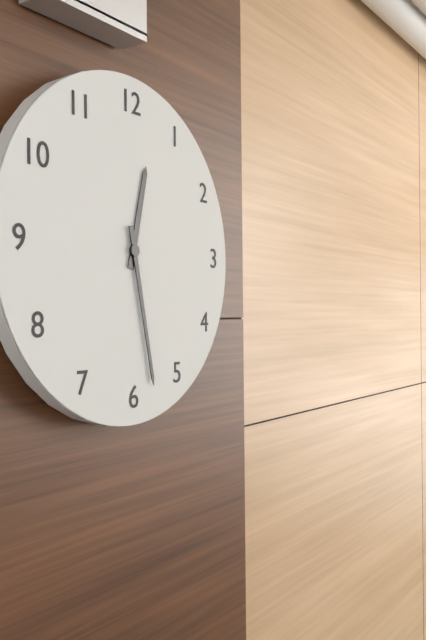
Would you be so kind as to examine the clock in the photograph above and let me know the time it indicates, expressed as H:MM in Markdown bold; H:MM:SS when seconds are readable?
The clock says **12:28**
